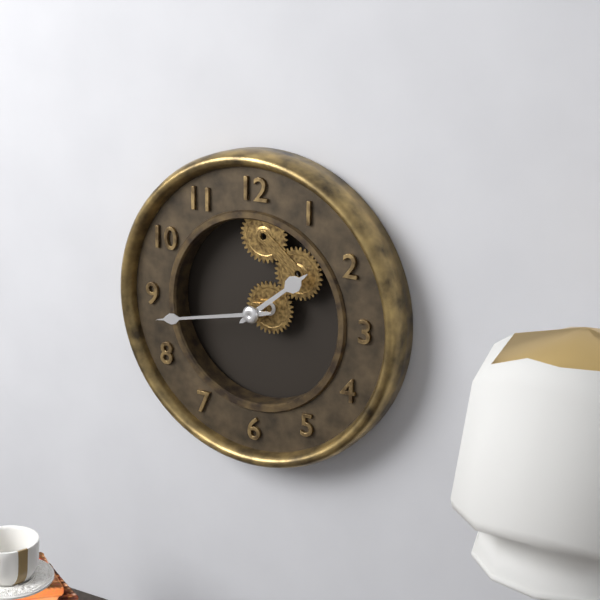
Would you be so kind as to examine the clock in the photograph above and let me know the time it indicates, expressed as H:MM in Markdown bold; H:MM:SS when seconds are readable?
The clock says **1:43**
